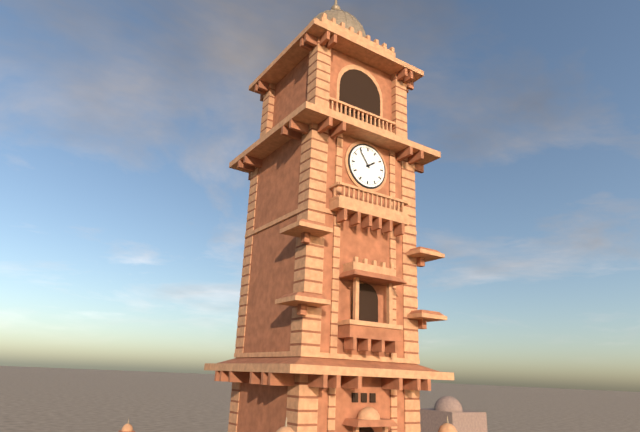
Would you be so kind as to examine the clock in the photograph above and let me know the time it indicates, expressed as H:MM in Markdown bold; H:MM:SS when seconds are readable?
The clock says **1:54**
